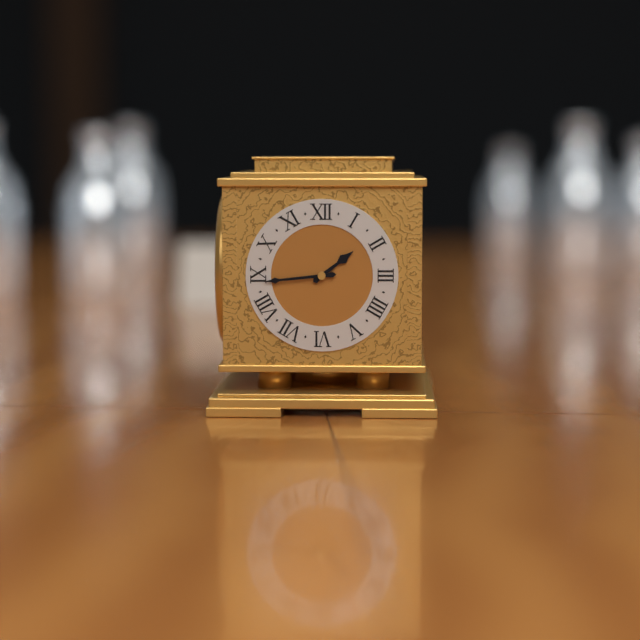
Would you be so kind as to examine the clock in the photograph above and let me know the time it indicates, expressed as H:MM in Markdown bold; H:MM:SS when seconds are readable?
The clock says **1:44**
